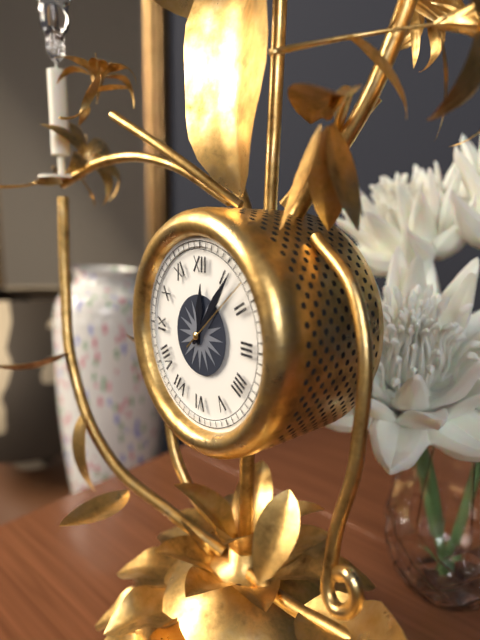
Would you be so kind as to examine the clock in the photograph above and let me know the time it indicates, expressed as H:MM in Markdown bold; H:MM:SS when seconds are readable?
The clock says **12:06:08**
